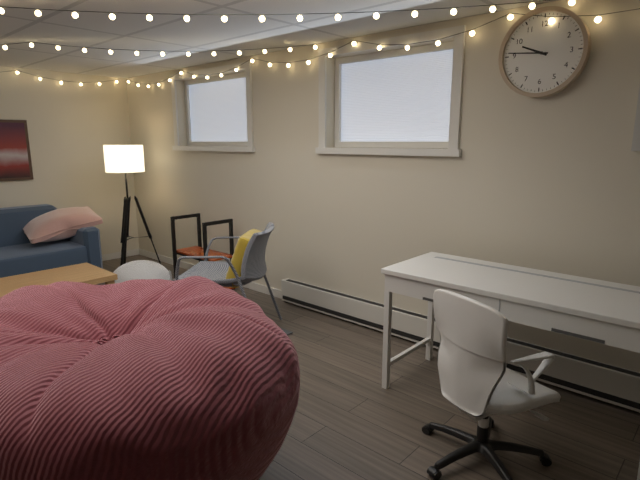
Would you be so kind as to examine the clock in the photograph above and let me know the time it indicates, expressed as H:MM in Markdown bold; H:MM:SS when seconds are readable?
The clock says **9:46**
